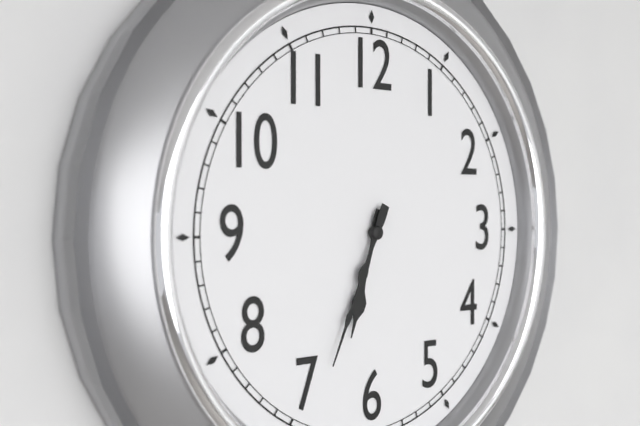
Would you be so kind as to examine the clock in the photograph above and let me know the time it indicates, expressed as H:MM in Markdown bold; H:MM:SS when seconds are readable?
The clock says **6:34**
